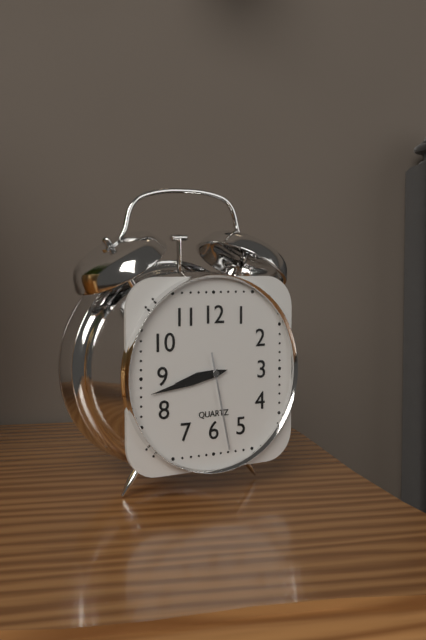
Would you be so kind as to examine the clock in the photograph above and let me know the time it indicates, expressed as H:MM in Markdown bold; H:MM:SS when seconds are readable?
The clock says **8:43:28**
